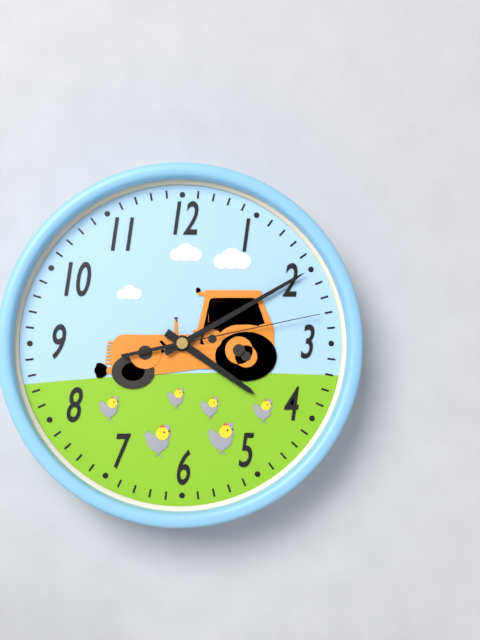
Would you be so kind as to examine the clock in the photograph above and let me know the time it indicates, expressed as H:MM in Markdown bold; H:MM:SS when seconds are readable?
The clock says **4:10:13**
